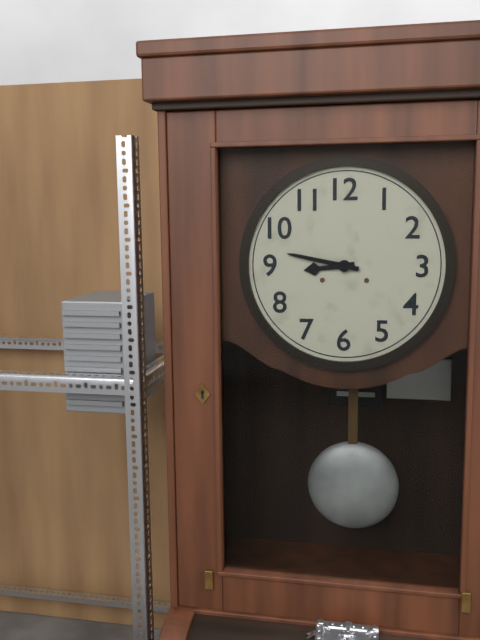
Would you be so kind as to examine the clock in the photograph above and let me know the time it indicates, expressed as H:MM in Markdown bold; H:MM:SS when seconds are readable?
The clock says **8:47**
